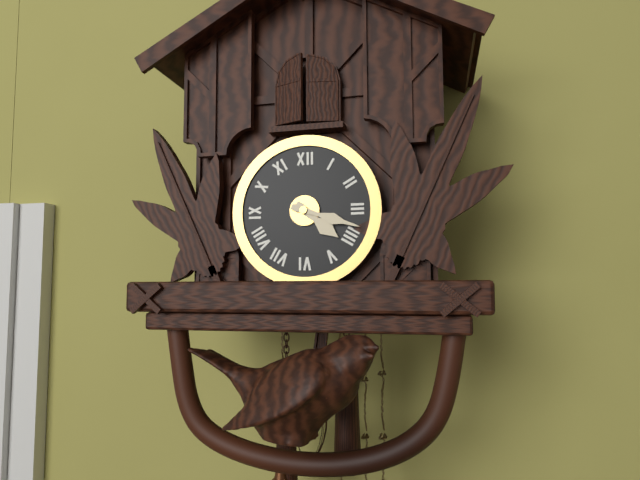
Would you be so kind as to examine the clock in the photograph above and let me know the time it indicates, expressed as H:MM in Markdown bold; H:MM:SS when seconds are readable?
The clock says **4:18**
